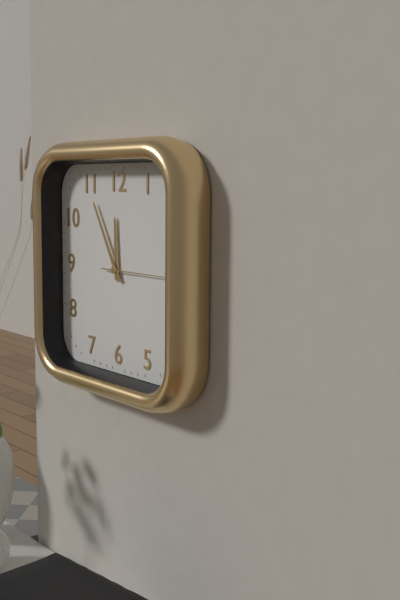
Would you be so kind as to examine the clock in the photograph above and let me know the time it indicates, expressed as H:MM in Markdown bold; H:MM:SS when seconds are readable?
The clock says **11:55:15**
